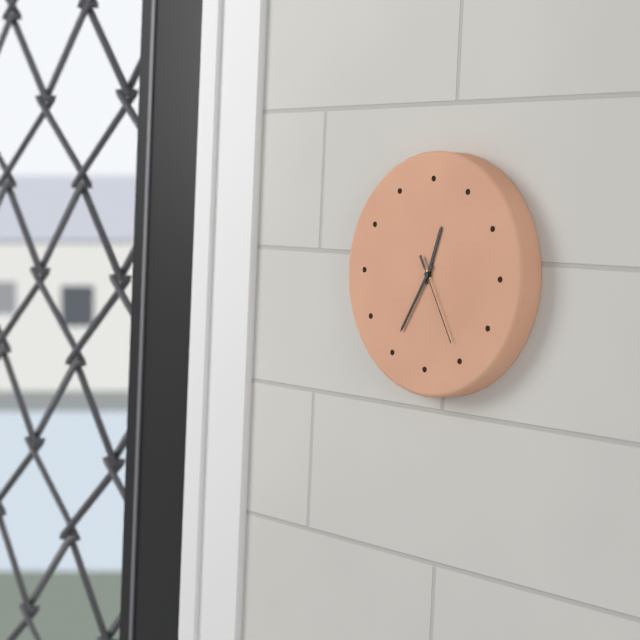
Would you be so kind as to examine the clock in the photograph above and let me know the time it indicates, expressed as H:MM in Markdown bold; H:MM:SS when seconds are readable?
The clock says **12:35:25**
